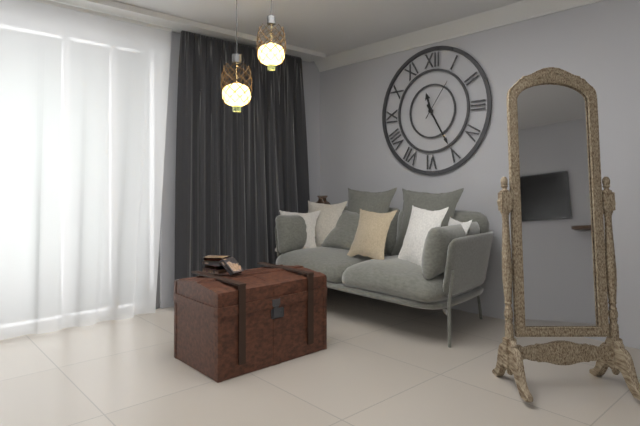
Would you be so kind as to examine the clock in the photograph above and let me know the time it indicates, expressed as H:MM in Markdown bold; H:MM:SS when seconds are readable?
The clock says **11:25**
